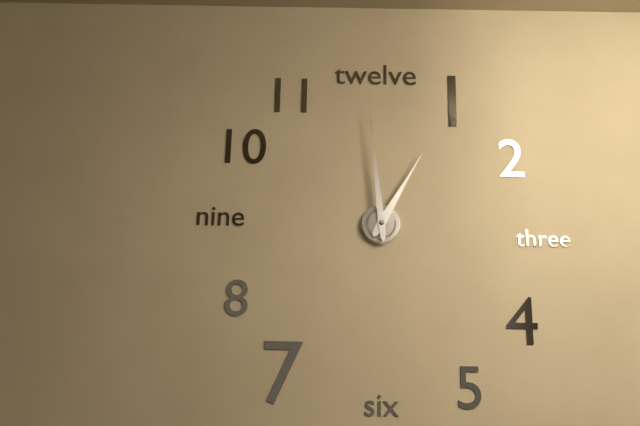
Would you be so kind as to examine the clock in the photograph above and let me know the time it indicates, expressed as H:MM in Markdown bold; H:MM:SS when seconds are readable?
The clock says **12:59**
